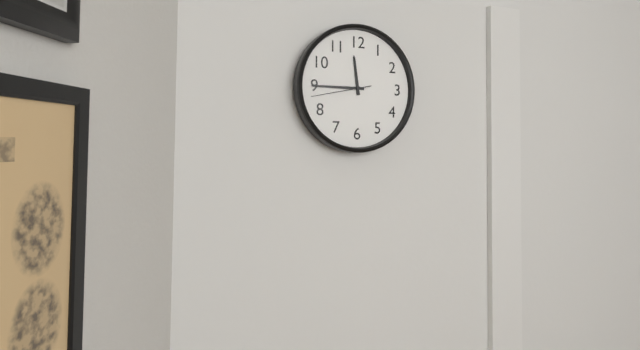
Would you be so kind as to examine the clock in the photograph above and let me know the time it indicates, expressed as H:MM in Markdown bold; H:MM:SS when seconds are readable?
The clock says **11:45:43**
